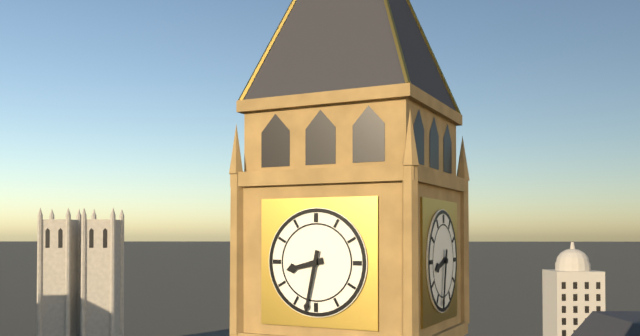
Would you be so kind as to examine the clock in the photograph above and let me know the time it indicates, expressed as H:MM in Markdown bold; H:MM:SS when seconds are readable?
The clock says **8:32**
